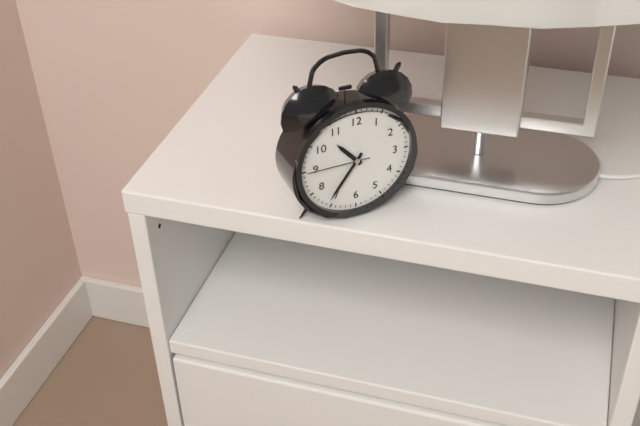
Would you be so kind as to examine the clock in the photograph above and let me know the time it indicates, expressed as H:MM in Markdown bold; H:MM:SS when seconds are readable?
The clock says **10:36:45**
